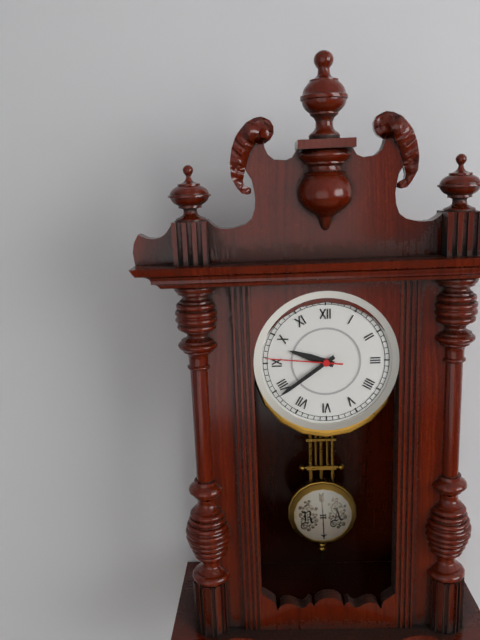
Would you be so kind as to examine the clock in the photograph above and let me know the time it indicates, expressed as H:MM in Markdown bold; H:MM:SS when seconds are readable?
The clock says **9:39:46**
